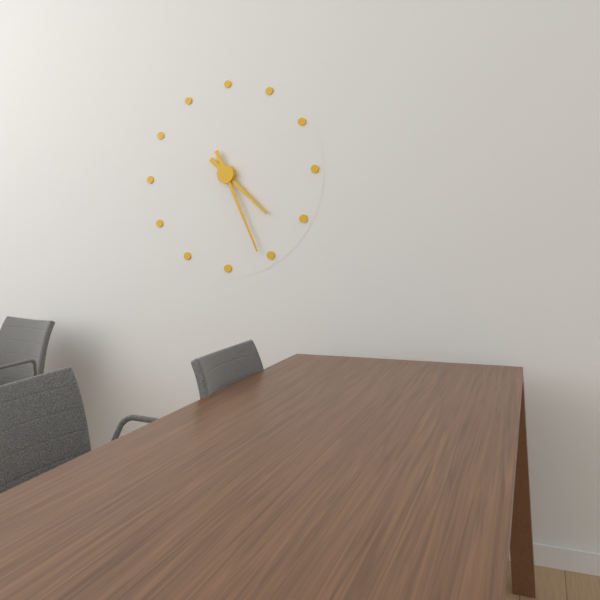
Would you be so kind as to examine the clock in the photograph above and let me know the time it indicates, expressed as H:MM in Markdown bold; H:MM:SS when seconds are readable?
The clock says **4:26**
